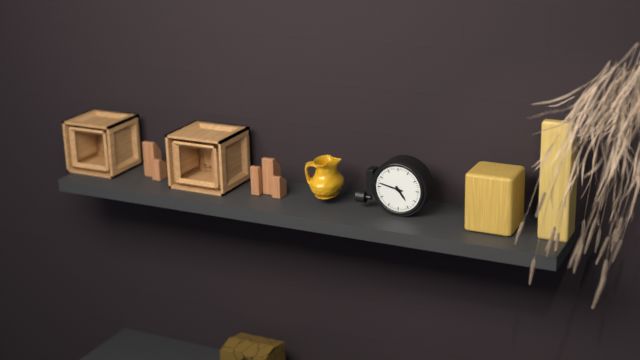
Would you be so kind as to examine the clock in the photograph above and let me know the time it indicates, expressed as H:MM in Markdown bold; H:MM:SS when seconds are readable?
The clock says **4:47**
